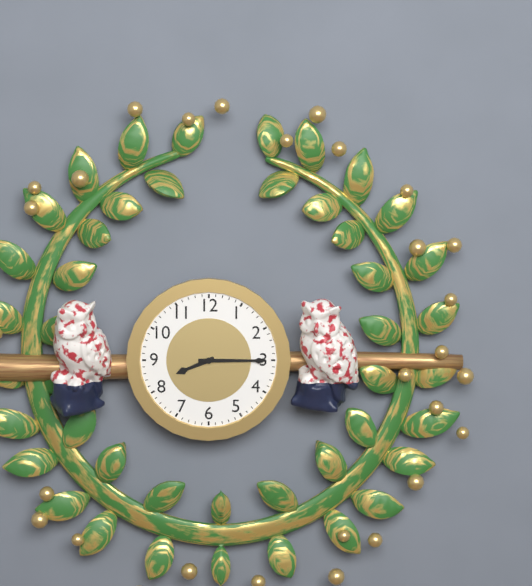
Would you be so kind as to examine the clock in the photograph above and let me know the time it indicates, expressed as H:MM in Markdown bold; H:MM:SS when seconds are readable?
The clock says **8:15**
